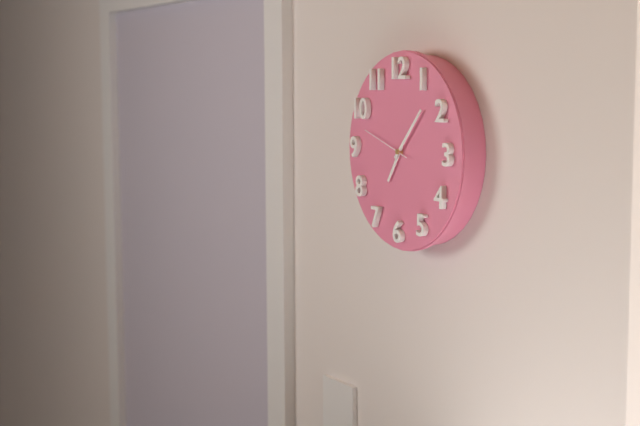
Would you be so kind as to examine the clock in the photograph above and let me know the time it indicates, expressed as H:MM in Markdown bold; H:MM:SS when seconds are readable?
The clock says **7:07:48**
